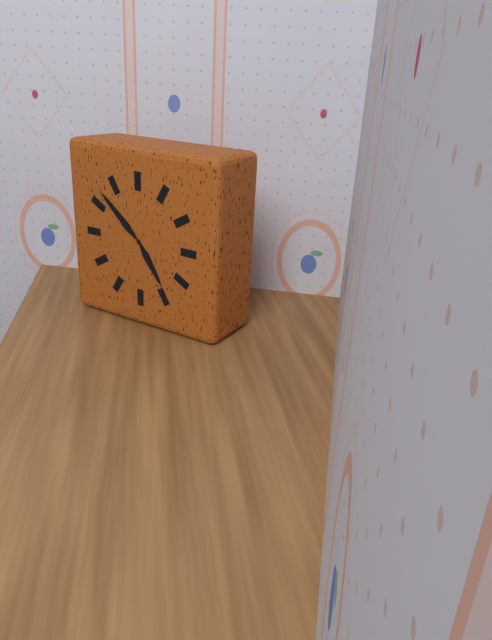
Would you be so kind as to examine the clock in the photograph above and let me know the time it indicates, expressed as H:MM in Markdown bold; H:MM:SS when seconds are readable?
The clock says **4:52**
